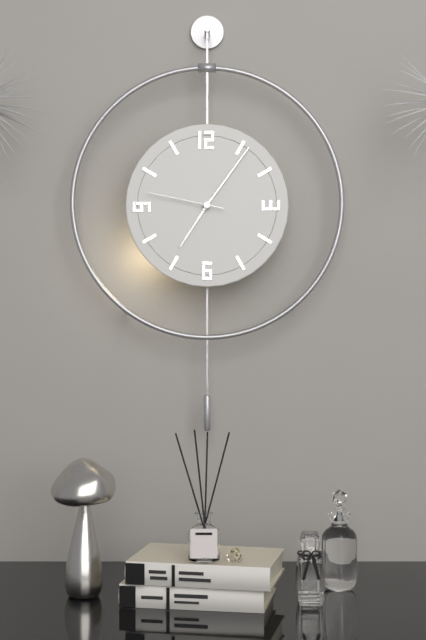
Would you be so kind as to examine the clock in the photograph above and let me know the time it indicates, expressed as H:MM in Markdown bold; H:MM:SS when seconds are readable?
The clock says **7:06:47**
